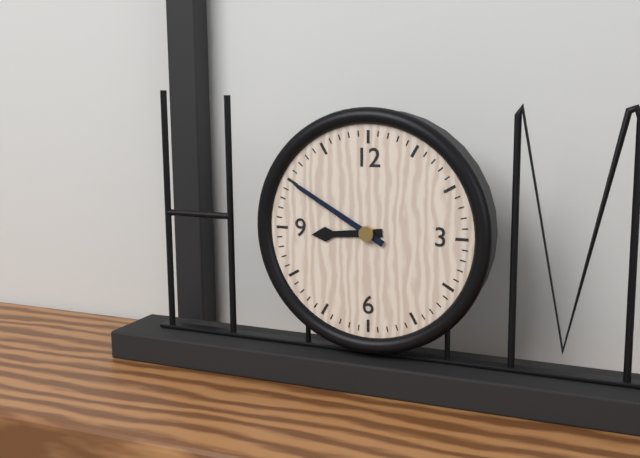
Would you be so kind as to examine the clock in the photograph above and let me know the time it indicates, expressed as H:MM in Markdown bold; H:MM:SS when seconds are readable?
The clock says **8:50**
